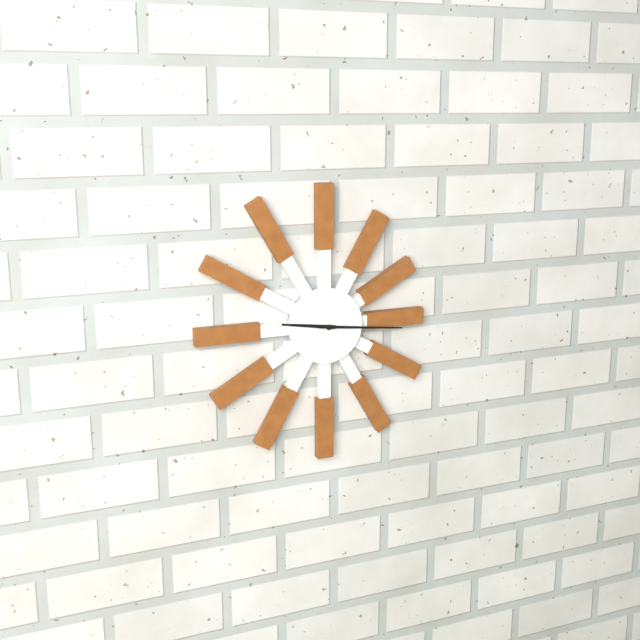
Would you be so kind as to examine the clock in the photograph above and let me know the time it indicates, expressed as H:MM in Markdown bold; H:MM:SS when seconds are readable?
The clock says **9:16**
